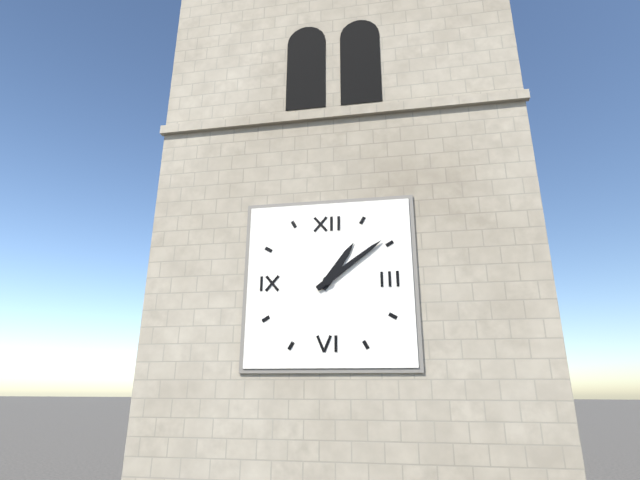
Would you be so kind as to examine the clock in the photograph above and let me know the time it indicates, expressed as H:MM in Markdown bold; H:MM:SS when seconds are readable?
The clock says **1:09**
